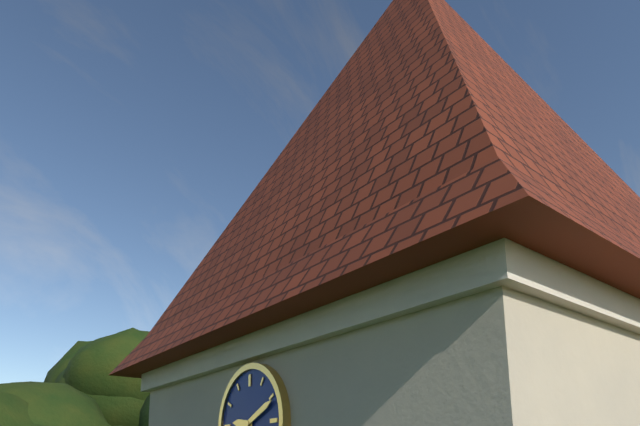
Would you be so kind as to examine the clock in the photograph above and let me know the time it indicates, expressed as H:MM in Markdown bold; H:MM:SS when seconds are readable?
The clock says **9:11**
